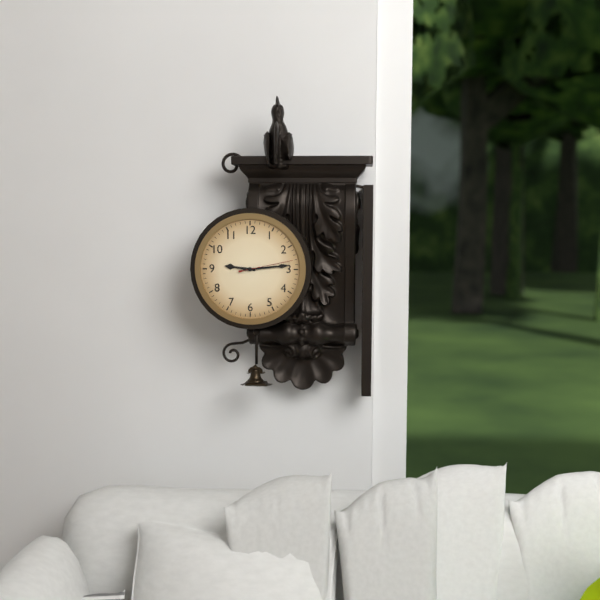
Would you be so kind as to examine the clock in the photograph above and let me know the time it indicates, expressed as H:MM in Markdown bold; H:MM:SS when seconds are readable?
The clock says **9:14:13**
